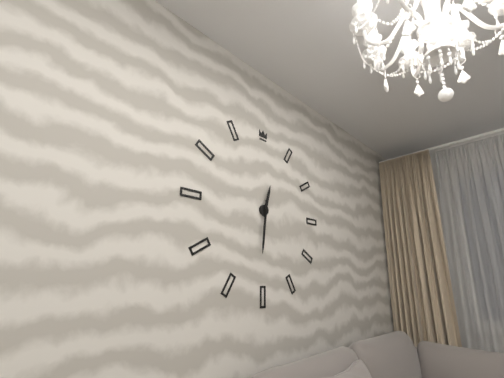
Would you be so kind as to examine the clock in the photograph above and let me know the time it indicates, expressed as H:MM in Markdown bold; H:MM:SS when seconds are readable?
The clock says **12:31**
